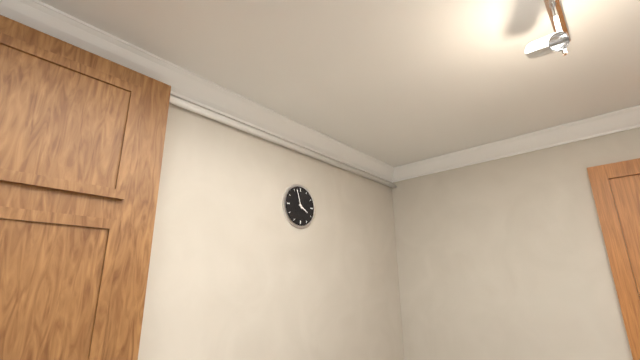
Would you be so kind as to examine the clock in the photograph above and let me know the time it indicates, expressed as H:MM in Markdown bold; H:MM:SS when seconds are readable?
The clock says **3:57**
